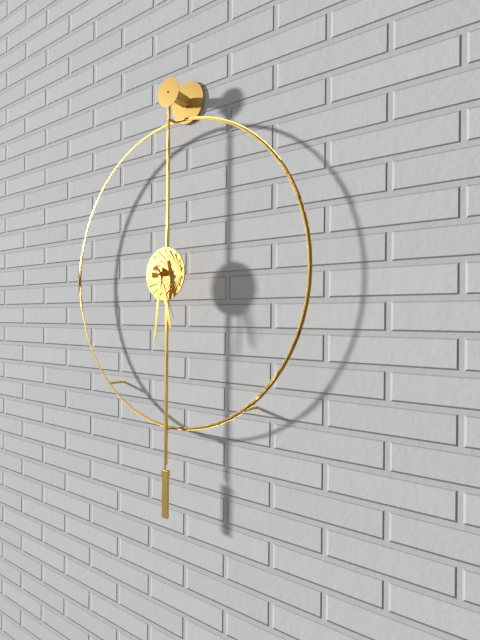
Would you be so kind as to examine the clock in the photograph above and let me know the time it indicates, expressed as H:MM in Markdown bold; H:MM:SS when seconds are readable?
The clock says **5:31:26**
